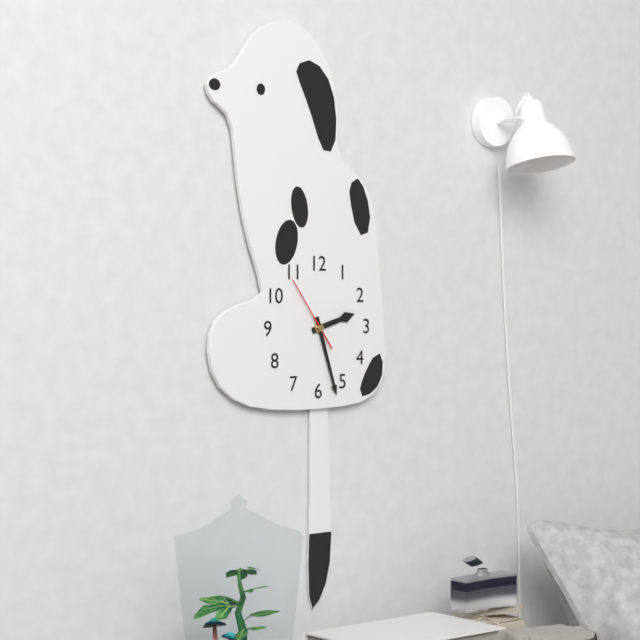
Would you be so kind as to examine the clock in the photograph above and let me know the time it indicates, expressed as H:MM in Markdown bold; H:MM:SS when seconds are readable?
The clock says **2:27:54**
